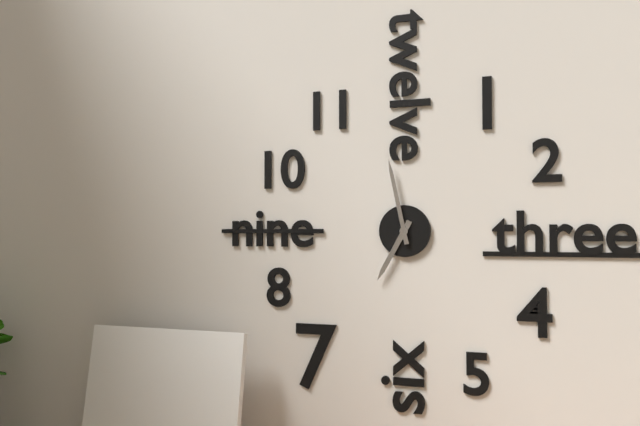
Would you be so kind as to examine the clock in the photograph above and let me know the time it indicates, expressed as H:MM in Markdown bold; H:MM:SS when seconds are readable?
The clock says **6:58**
